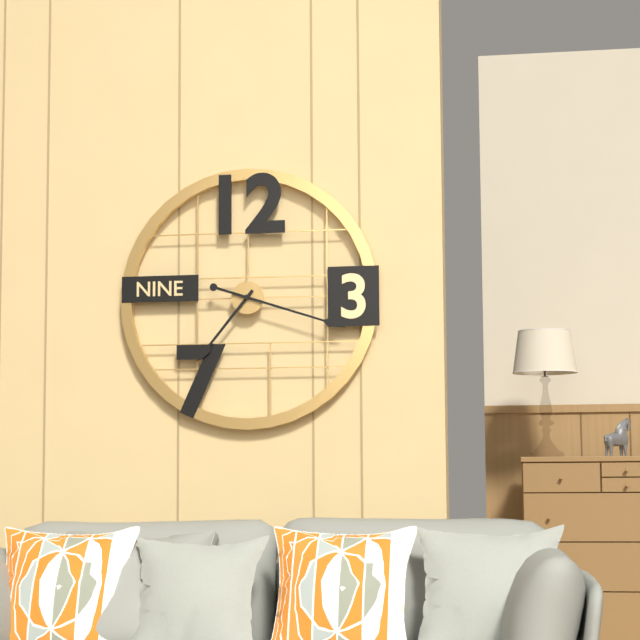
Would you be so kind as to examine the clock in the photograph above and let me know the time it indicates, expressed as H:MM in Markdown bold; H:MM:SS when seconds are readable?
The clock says **7:18**
